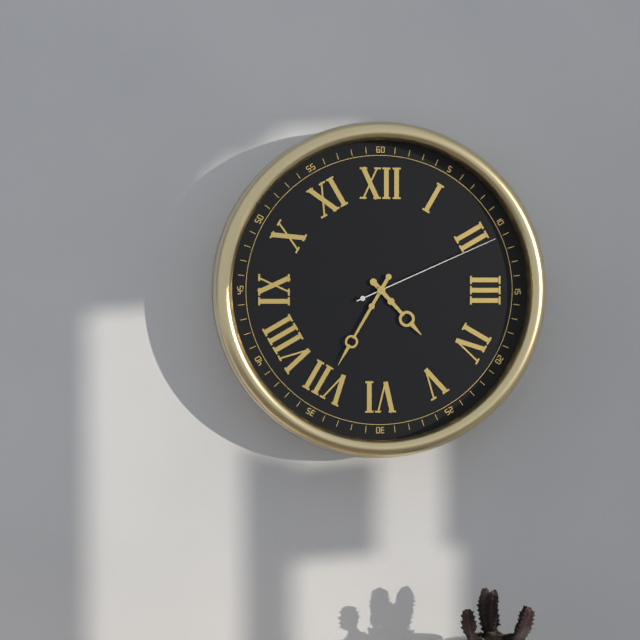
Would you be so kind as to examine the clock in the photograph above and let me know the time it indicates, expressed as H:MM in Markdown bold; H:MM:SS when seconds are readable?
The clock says **4:35:11**
